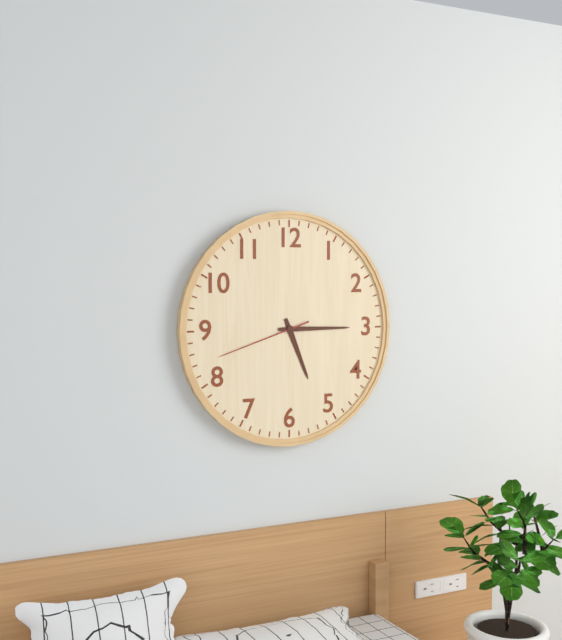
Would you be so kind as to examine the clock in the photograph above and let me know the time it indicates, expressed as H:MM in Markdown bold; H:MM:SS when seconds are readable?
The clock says **5:15:42**
